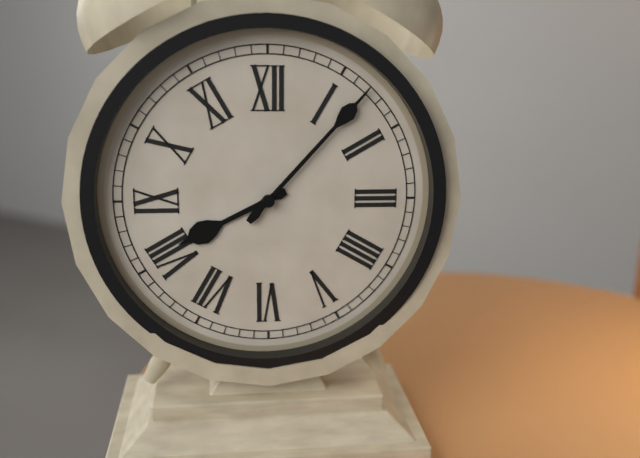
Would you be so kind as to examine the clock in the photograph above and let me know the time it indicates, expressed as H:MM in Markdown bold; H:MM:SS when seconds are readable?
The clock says **8:07**
